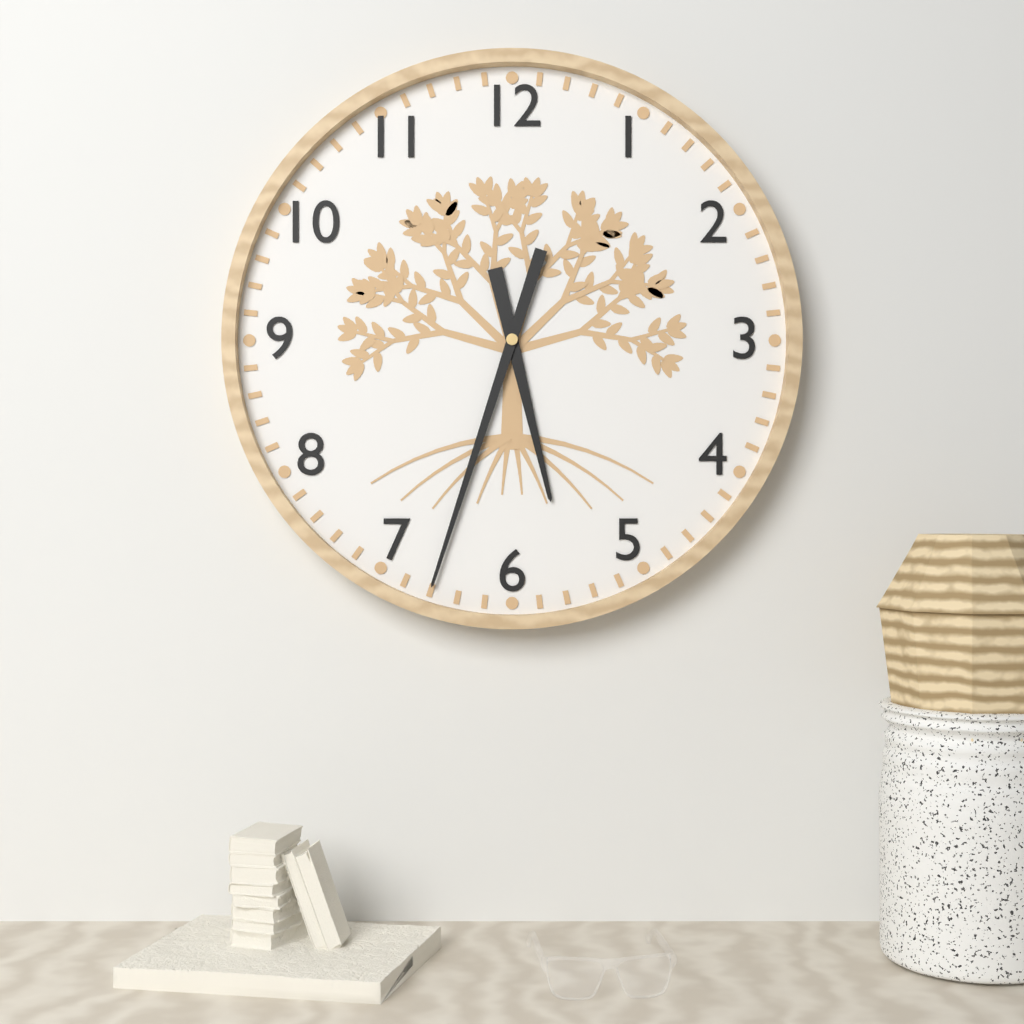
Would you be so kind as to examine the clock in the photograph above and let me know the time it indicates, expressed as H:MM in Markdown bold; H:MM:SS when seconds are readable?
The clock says **5:33**
